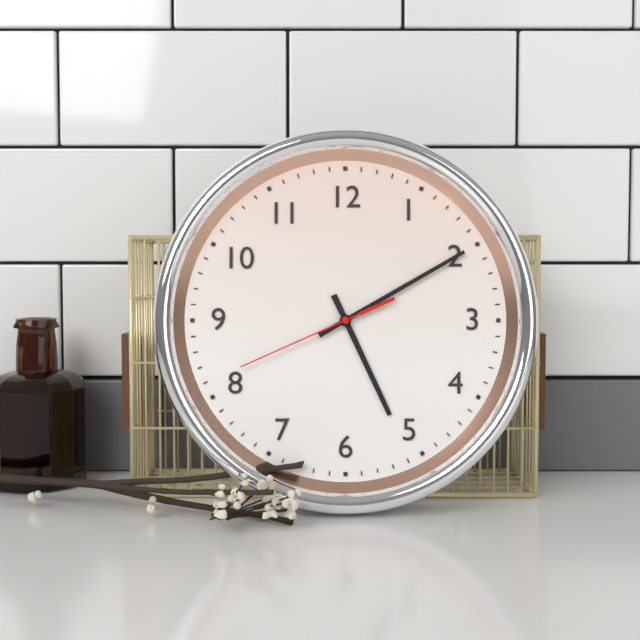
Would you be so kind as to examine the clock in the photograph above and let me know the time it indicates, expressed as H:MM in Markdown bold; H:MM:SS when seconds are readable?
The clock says **5:10:41**
